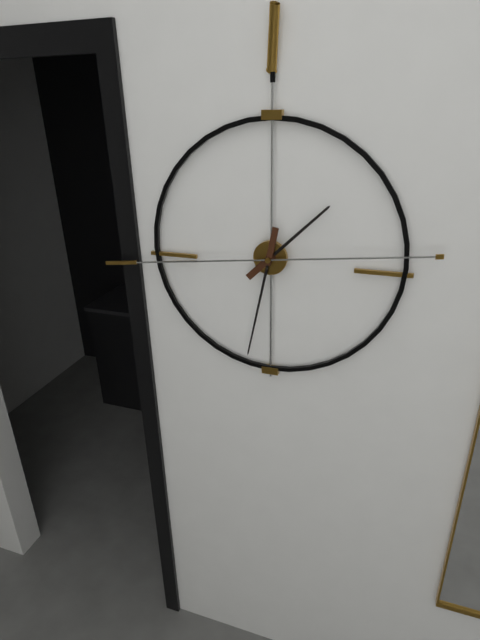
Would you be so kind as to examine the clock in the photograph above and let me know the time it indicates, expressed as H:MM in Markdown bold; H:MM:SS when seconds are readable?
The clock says **1:32:44**
